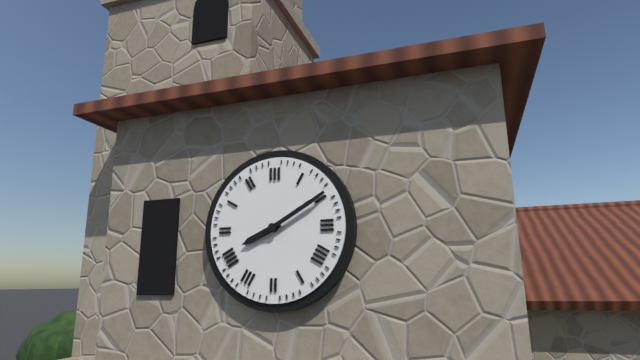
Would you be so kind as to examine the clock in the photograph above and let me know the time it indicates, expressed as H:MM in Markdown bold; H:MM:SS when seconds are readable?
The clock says **8:10**
